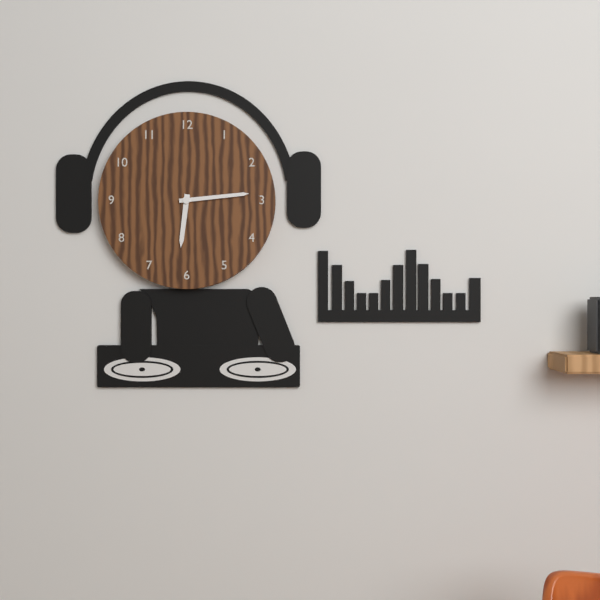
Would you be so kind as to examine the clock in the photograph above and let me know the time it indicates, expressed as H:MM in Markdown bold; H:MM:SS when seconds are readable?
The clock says **6:14**
